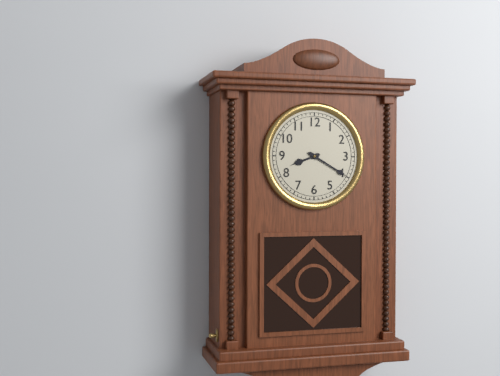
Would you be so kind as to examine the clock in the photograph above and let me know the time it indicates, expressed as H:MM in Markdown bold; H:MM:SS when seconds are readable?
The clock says **8:20**
